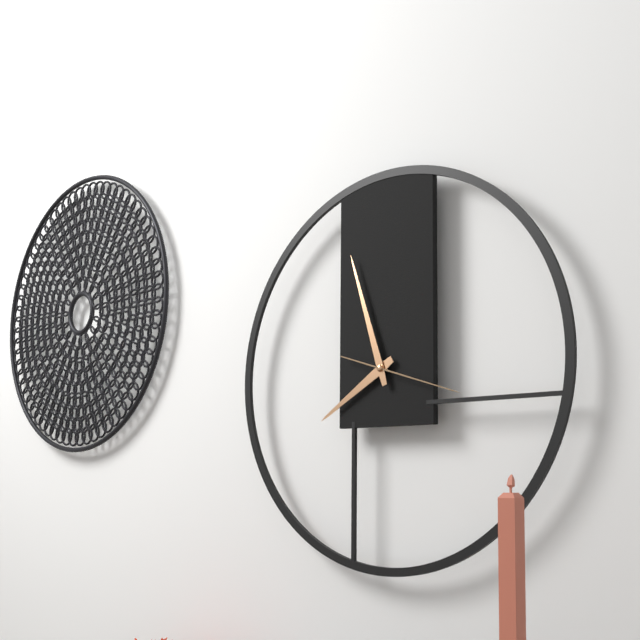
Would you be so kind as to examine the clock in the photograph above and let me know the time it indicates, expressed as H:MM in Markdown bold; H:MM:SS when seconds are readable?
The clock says **7:57:18**
